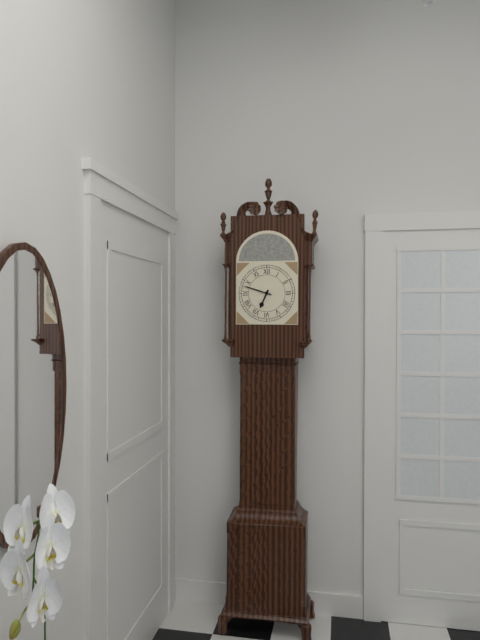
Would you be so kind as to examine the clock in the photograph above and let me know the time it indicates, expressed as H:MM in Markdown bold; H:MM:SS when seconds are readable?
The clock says **6:48**
